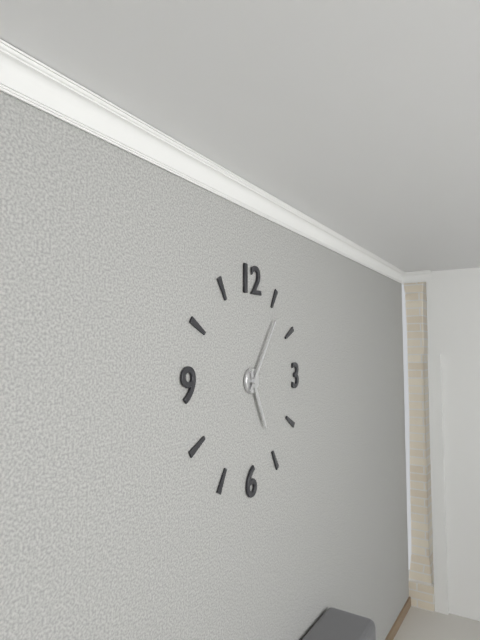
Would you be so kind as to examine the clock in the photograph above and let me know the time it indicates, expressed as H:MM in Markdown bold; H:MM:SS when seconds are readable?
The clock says **5:06**
